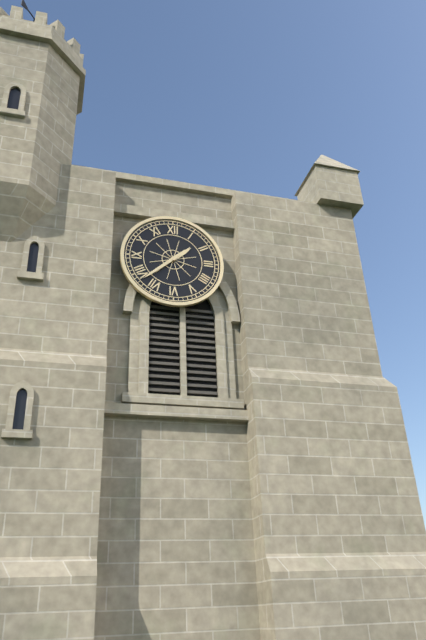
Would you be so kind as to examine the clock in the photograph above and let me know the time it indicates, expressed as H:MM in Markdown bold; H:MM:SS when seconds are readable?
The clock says **1:38**
